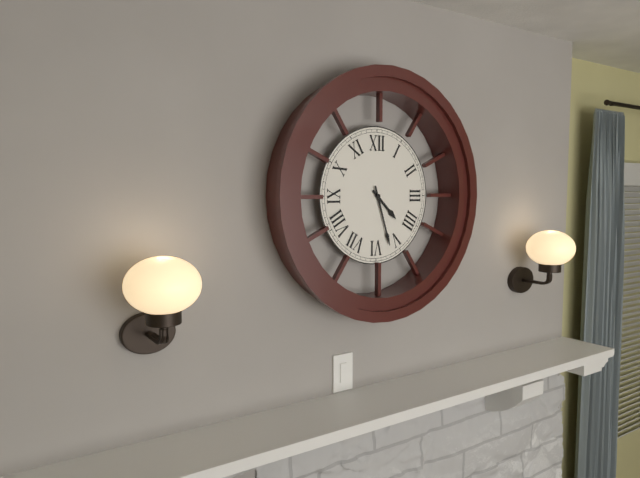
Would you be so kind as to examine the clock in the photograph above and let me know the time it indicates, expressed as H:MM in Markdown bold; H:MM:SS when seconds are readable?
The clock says **4:27**
